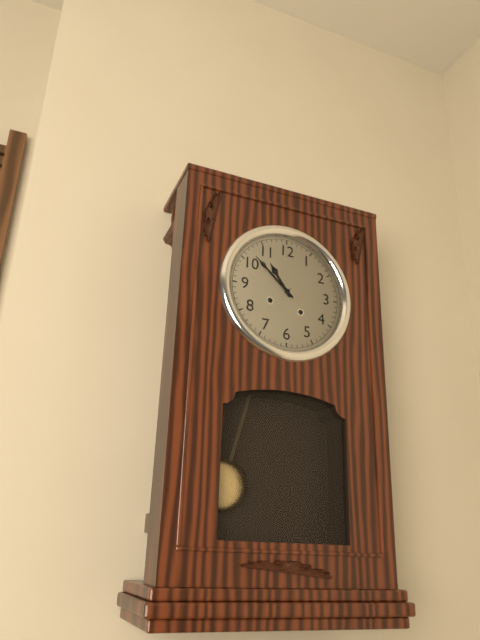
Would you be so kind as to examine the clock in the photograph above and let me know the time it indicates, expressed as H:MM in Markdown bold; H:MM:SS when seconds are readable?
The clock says **10:52**
